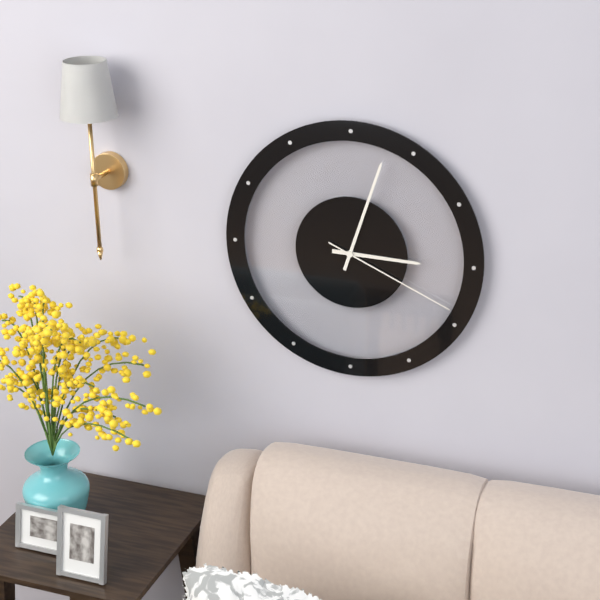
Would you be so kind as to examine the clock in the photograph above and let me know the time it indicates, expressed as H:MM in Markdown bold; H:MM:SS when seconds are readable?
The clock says **3:03:19**
